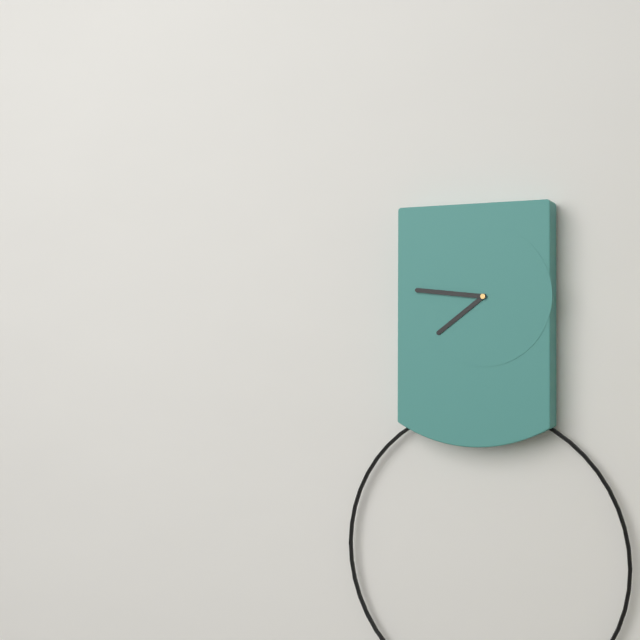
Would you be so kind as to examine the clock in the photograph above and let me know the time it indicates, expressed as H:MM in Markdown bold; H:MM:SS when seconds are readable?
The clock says **7:46**
